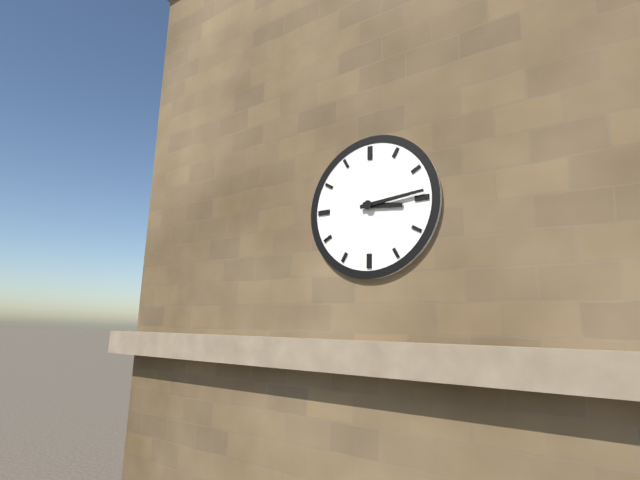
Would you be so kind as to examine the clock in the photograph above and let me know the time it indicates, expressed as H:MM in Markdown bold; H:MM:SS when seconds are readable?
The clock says **3:14**
